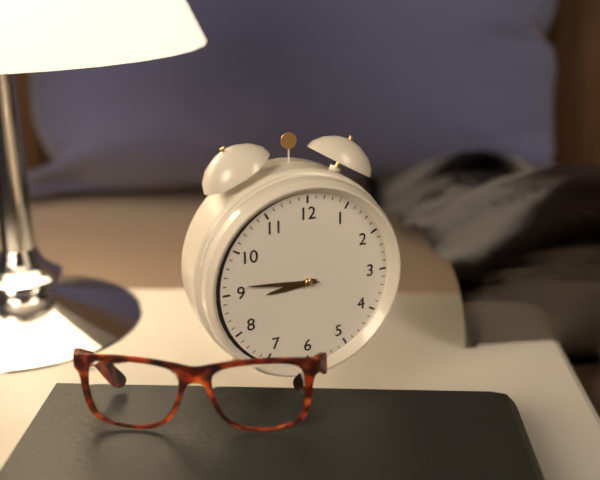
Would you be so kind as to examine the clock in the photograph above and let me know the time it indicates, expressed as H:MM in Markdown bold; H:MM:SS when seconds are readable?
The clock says **8:46**
